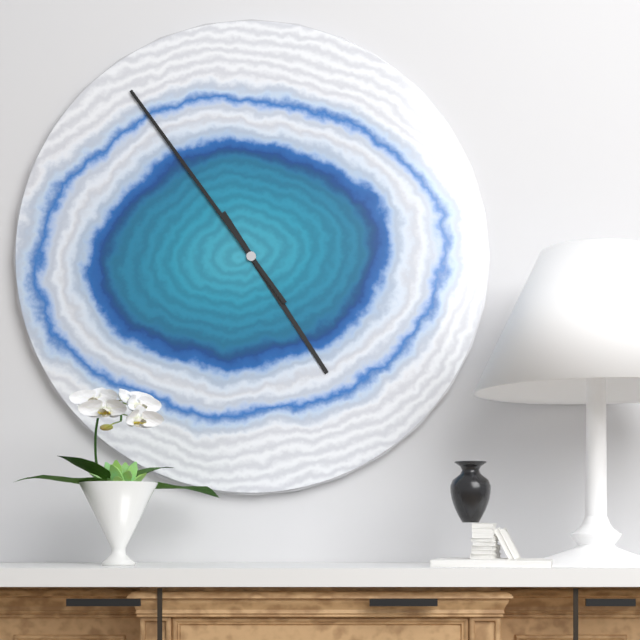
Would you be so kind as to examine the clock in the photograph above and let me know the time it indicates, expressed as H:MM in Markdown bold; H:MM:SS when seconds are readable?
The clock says **4:54**
